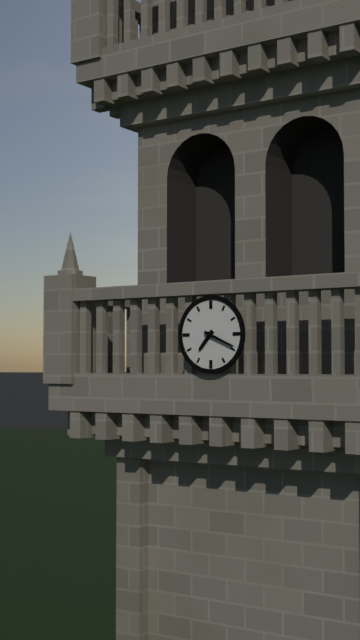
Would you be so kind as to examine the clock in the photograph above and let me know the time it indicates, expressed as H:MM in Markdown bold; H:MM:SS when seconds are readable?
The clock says **7:19**
